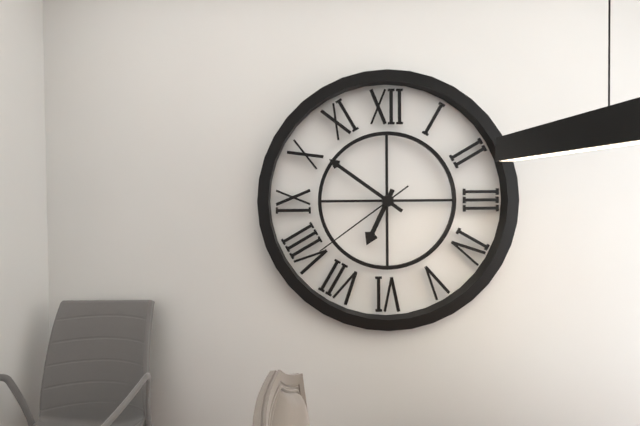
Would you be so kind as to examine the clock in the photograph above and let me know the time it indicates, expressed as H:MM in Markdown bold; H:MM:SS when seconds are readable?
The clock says **6:51:39**
